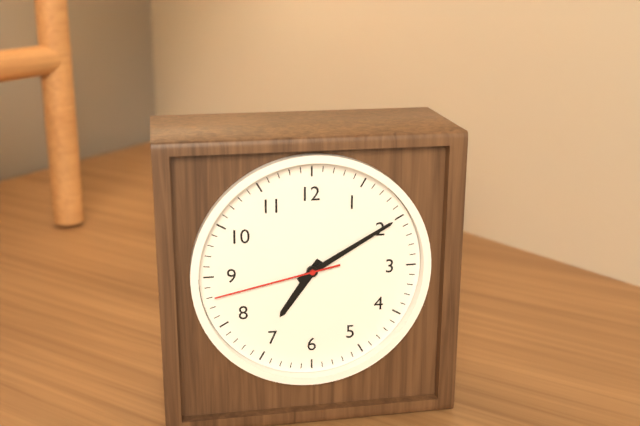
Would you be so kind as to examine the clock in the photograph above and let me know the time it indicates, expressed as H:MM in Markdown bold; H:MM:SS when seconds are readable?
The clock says **7:10:43**
